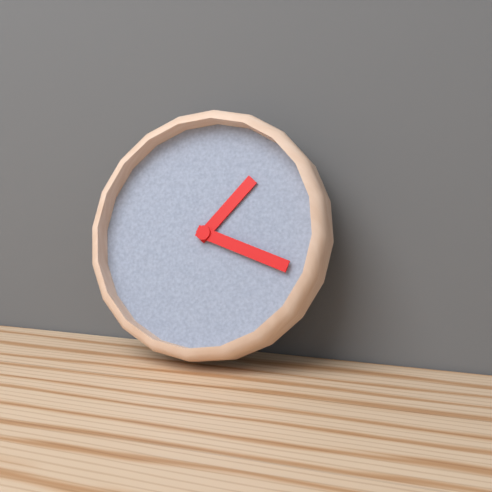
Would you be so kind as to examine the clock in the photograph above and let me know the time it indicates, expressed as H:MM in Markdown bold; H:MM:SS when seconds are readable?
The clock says **1:18**
